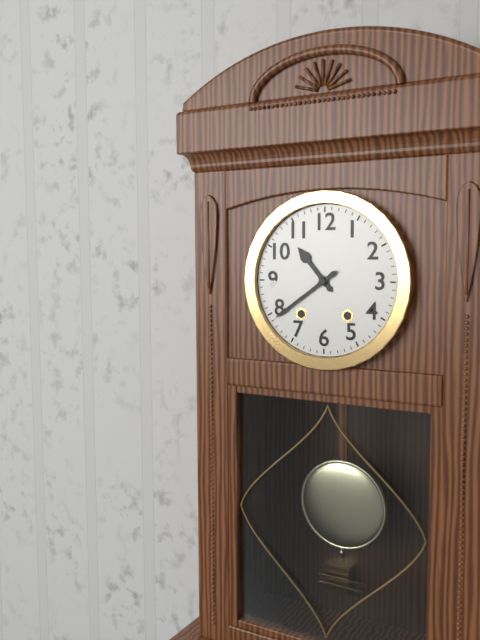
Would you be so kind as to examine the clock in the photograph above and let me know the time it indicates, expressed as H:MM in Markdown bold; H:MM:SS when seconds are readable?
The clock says **10:39**
